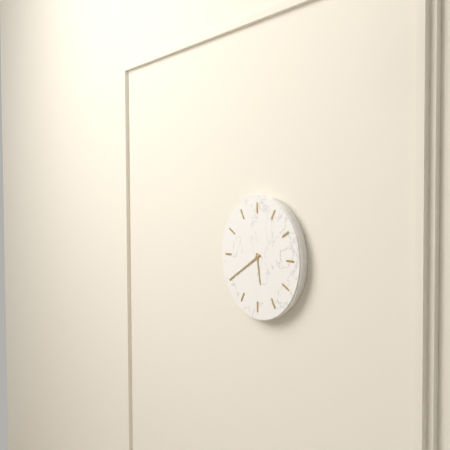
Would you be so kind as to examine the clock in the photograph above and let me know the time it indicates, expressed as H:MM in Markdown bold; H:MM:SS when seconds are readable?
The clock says **5:40**
